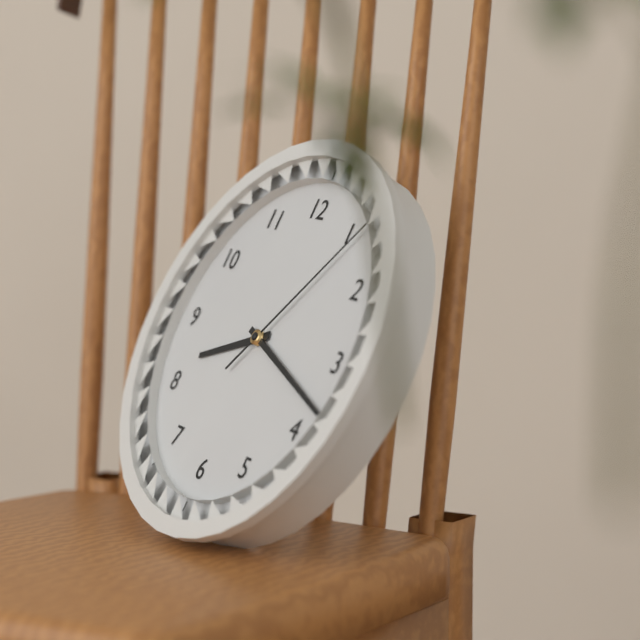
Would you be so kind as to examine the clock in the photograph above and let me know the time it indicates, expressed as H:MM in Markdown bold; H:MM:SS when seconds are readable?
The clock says **8:18:06**
